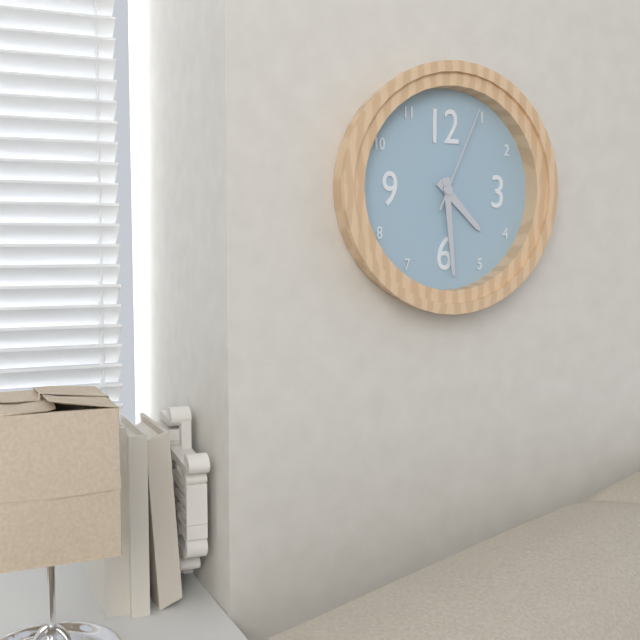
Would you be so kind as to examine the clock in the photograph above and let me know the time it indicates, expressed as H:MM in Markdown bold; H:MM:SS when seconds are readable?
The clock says **4:29:04**
